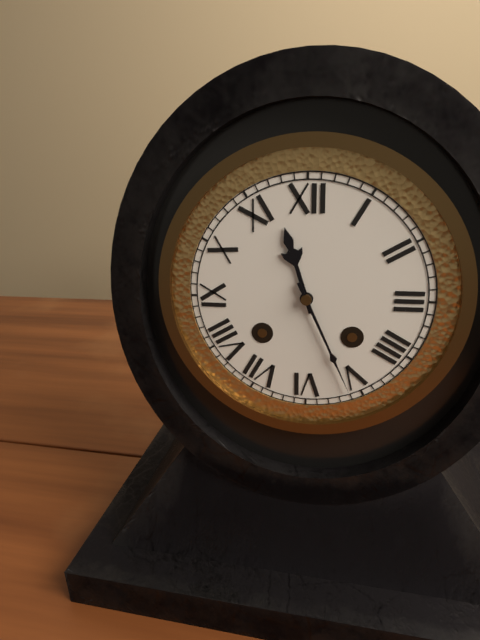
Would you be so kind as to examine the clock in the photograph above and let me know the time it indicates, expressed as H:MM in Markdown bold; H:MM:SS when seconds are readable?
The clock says **11:26**
